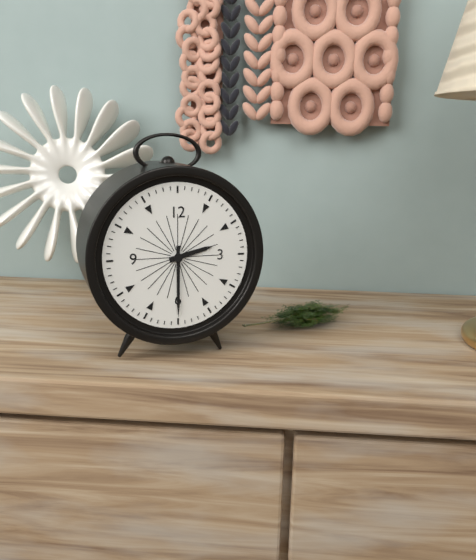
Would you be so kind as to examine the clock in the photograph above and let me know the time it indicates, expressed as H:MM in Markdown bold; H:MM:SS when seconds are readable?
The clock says **2:30**
